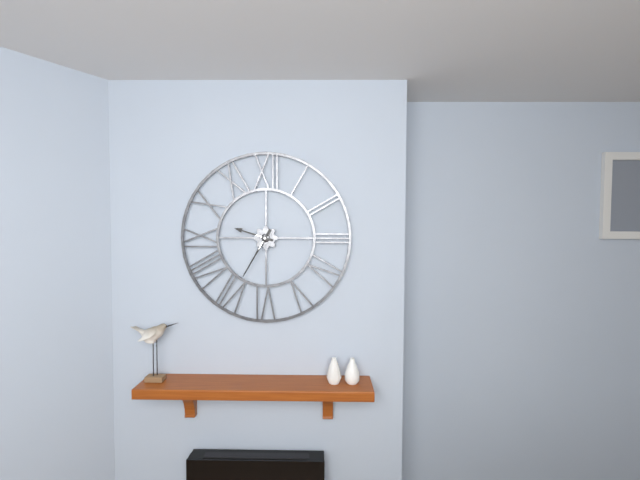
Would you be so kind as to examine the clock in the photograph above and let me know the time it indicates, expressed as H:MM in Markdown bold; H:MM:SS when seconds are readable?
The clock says **9:35**
